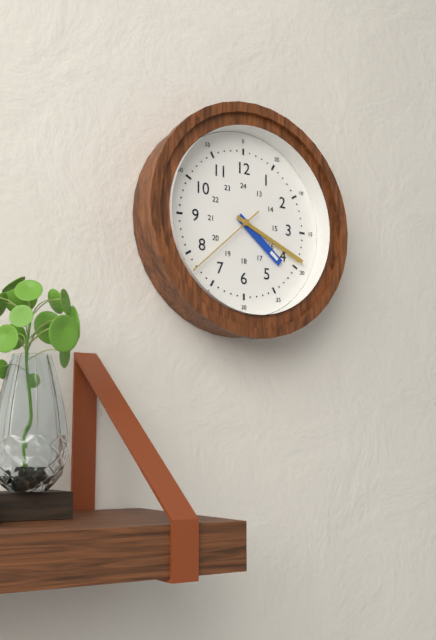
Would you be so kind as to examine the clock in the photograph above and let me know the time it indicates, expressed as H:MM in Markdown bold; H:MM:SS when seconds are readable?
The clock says **4:19:38**
